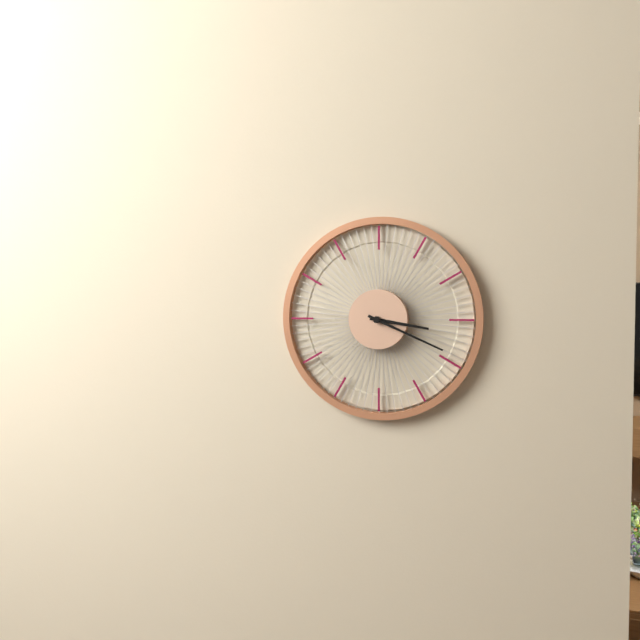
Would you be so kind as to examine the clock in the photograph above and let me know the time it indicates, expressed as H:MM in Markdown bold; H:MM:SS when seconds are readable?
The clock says **3:19**
